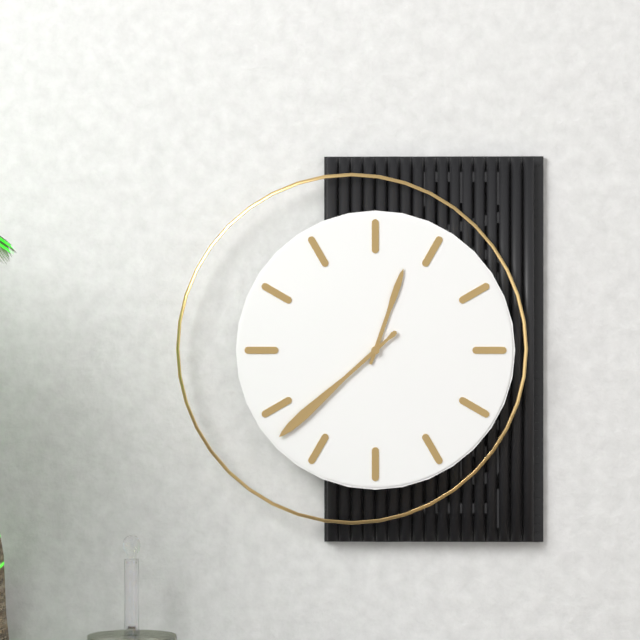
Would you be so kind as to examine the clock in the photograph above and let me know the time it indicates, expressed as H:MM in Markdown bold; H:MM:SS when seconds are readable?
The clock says **12:38**
